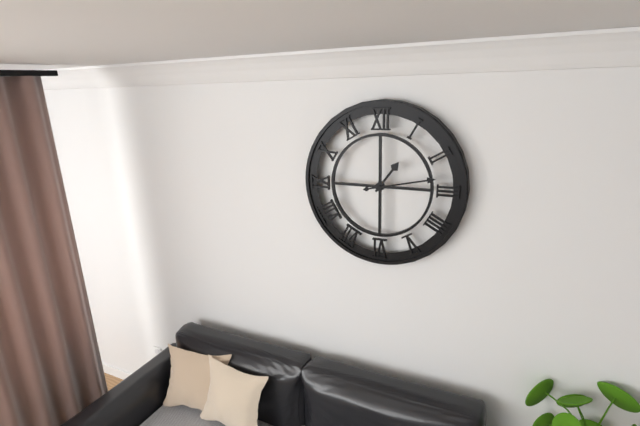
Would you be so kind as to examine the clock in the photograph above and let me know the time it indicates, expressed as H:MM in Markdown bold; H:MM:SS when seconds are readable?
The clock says **1:13**
